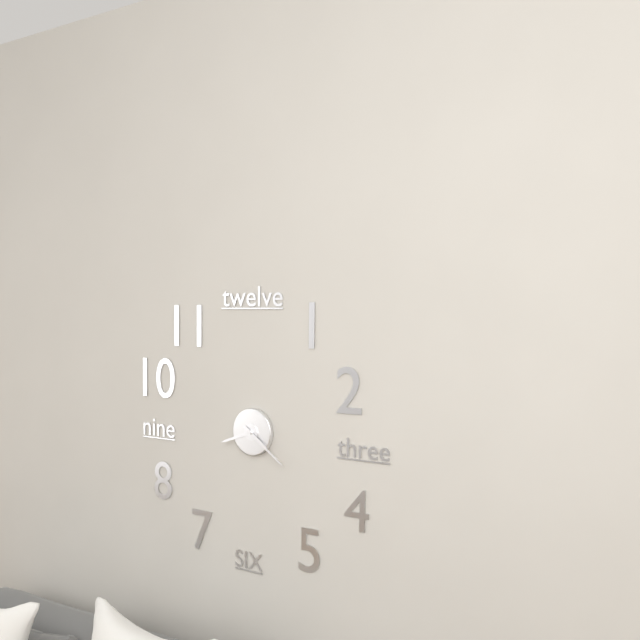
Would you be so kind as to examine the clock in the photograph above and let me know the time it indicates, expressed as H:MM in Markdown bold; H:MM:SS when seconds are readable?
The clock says **8:21**
